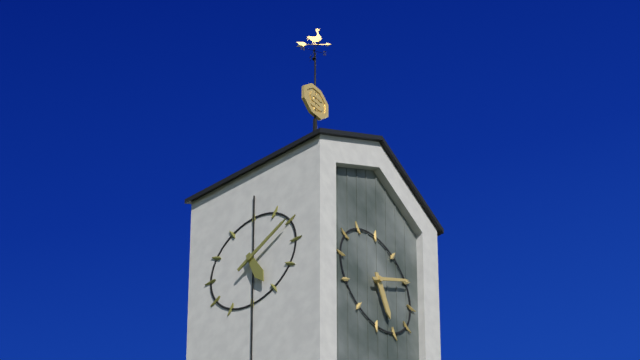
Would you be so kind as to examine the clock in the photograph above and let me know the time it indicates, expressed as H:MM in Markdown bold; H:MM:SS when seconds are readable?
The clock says **5:10**
